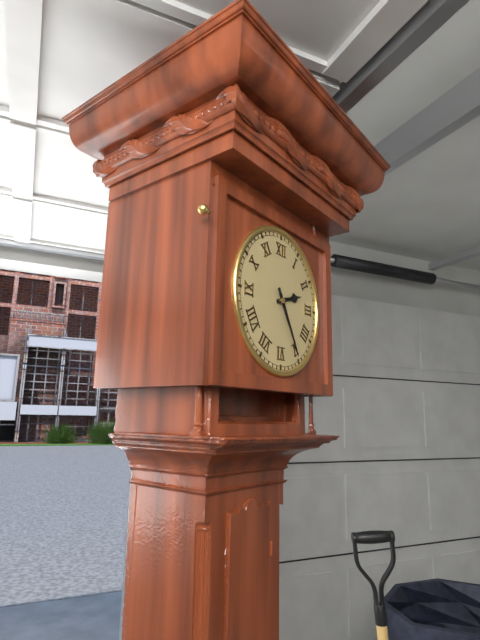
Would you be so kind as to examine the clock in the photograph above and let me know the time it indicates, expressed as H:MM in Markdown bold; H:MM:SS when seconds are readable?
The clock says **2:25**
